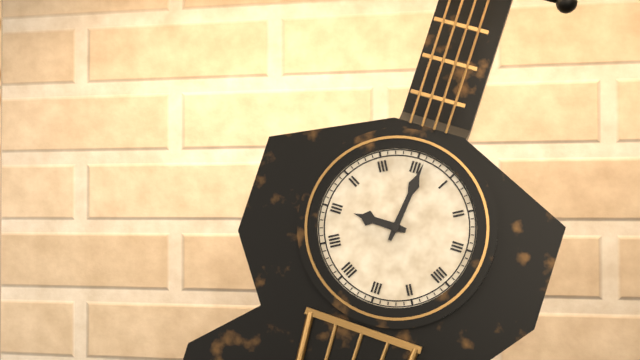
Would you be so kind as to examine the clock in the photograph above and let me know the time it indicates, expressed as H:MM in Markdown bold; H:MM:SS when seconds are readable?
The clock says **9:01**
